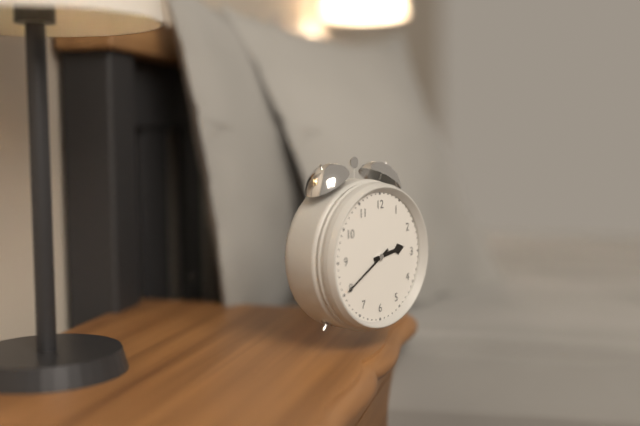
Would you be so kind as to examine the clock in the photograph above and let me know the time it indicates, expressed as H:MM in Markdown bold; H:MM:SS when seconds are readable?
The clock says **2:40**
